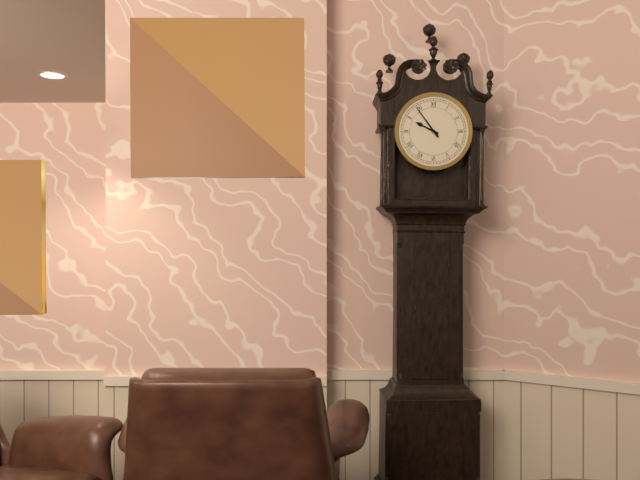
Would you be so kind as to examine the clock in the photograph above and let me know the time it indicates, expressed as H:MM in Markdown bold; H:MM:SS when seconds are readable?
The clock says **9:54**
